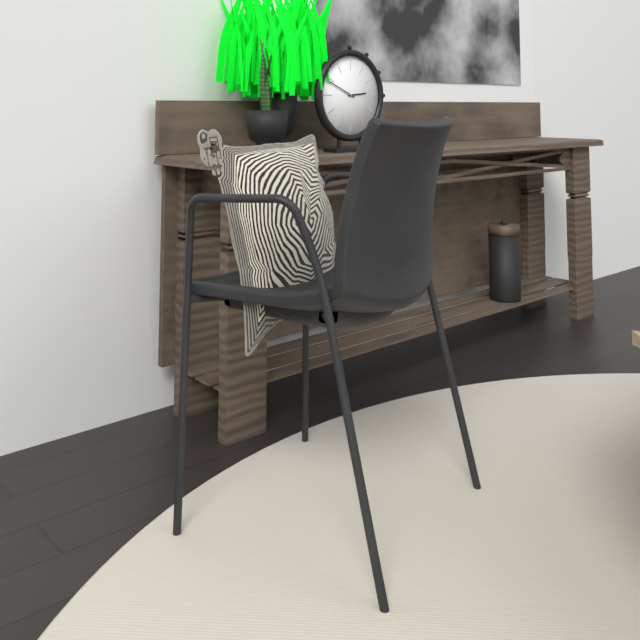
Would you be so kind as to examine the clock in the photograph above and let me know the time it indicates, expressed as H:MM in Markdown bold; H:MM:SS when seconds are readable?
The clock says **2:49**
